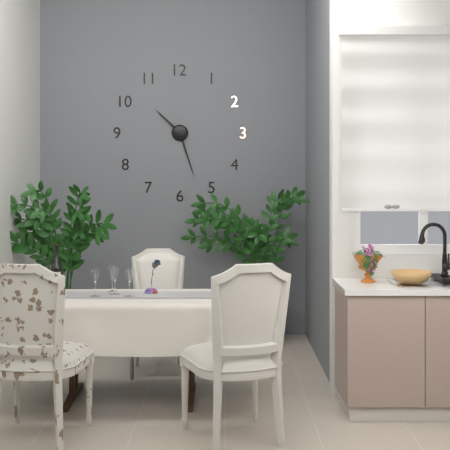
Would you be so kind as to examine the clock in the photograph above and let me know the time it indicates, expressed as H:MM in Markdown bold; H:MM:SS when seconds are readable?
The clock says **10:27**
